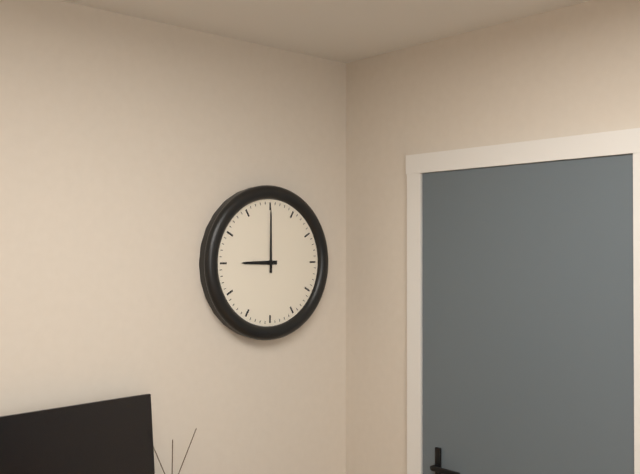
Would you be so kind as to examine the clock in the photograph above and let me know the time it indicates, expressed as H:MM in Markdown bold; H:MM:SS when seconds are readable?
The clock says **9:00**
